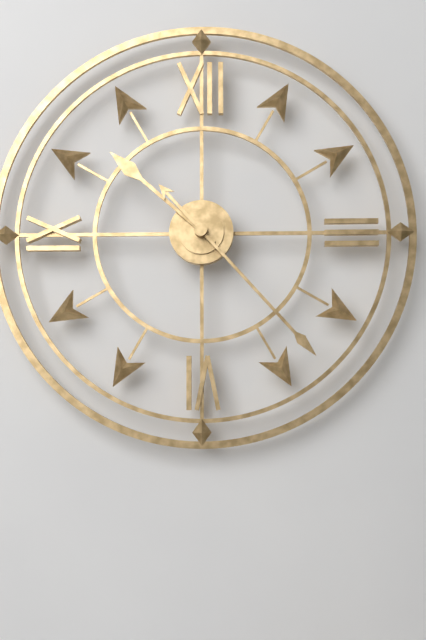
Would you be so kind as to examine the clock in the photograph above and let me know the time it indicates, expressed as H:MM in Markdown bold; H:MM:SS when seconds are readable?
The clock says **10:23**
